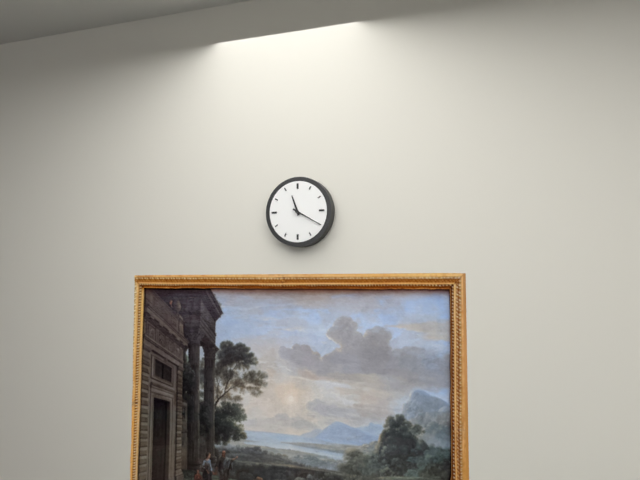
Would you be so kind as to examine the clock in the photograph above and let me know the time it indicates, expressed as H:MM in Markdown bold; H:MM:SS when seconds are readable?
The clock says **11:20**
